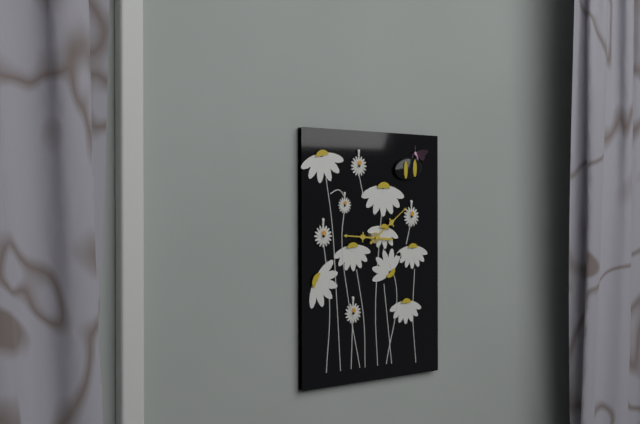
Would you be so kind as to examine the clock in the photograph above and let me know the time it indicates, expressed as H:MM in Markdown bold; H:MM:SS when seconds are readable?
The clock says **9:09**
